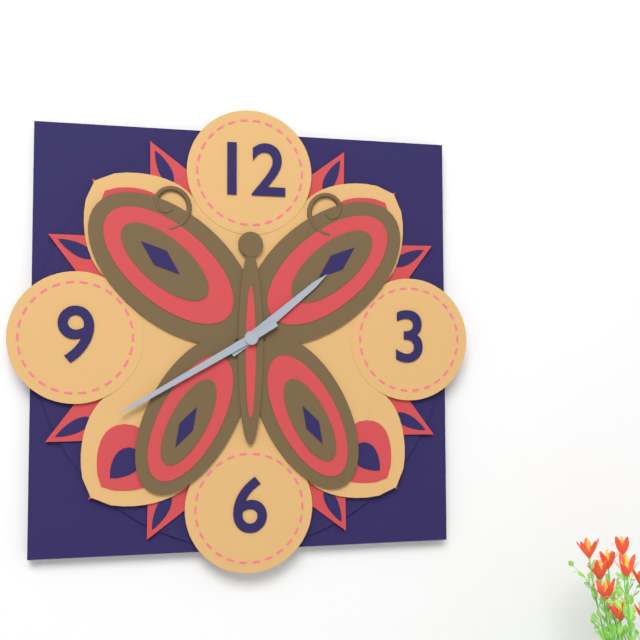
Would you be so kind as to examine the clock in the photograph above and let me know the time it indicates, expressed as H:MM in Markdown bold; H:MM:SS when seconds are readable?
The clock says **1:40**
